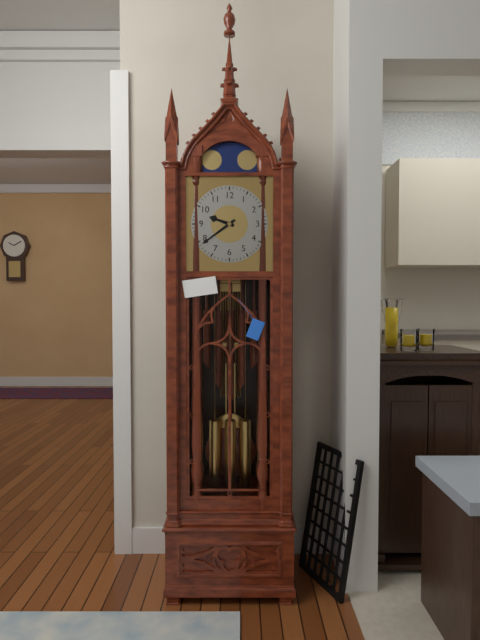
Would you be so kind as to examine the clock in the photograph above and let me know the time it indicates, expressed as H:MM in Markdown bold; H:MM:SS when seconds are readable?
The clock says **9:39**
